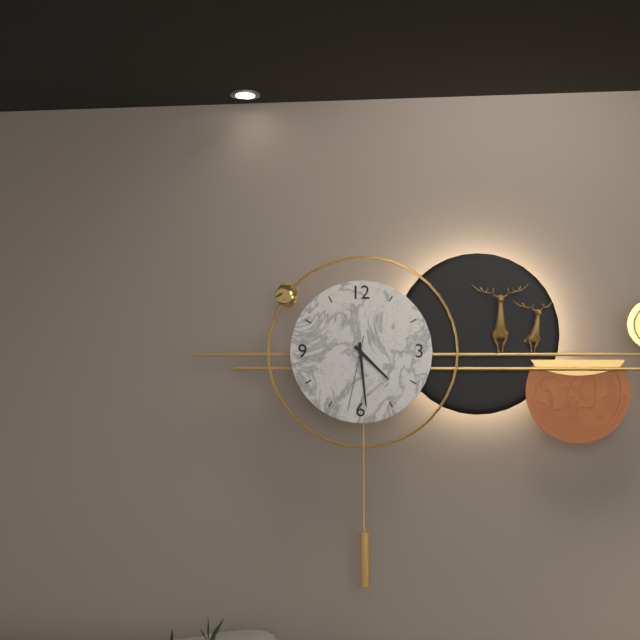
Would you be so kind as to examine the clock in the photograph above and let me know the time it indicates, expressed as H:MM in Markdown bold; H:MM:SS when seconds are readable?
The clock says **4:29:32**
